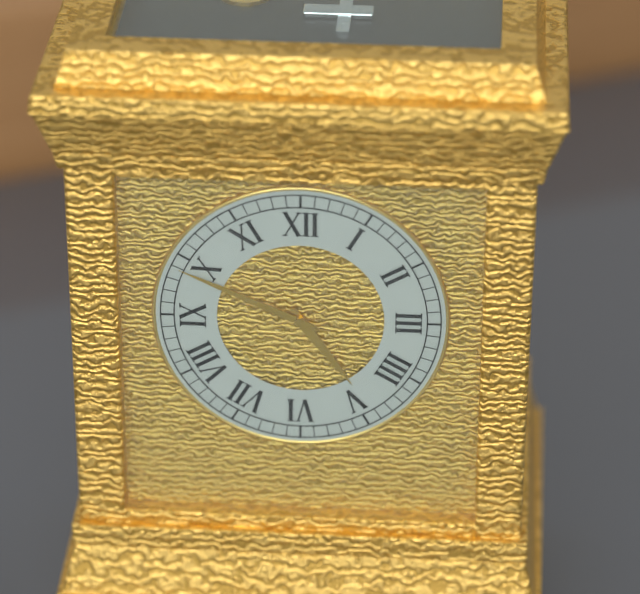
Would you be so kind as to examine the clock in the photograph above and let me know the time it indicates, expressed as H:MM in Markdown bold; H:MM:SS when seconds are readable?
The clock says **4:49**
